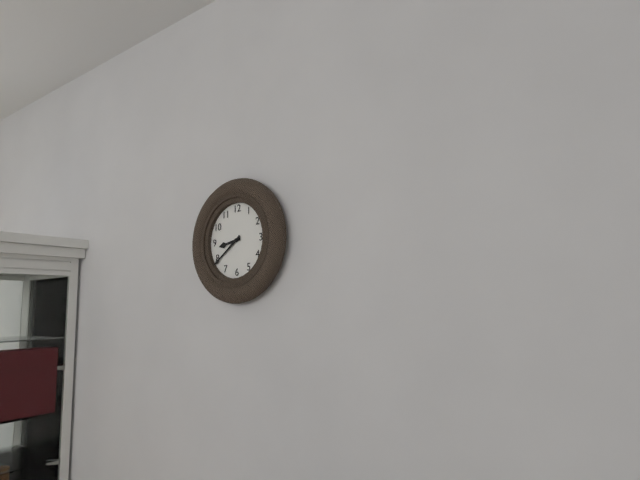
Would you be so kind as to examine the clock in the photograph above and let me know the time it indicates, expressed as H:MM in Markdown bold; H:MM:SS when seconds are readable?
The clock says **8:39**
